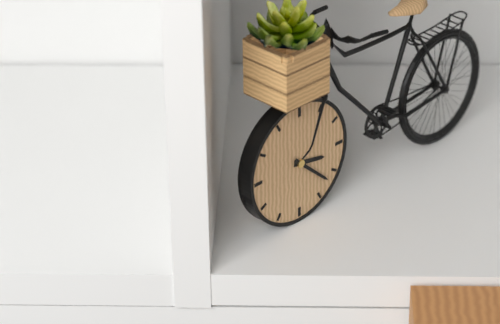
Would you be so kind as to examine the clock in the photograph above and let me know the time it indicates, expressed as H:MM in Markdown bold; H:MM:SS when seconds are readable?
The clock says **3:22**
